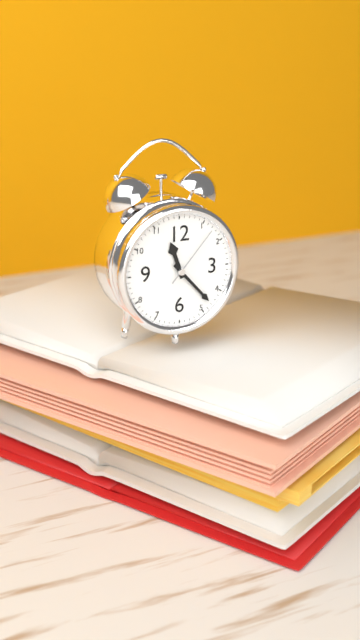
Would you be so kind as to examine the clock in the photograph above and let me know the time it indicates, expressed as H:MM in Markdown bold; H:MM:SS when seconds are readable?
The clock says **11:23:07**
